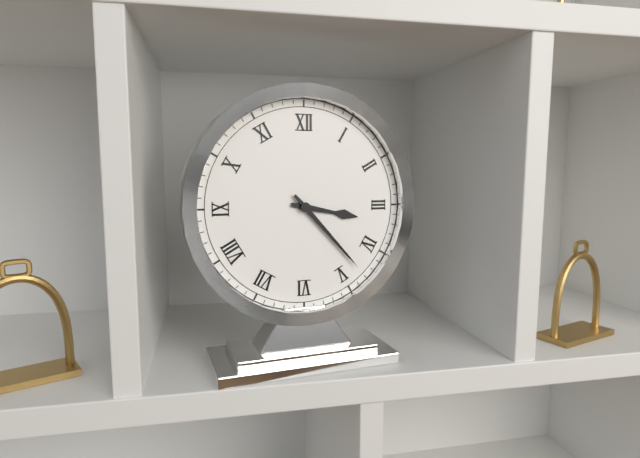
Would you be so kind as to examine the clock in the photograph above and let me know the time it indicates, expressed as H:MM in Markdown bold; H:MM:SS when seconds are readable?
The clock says **3:23**
